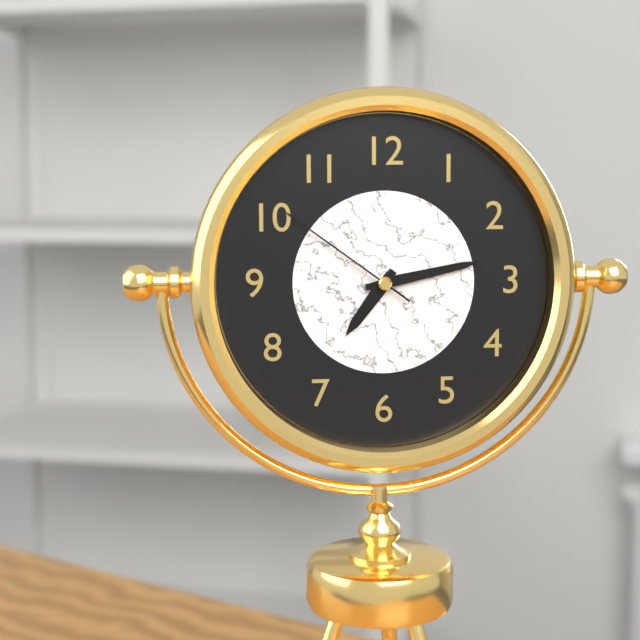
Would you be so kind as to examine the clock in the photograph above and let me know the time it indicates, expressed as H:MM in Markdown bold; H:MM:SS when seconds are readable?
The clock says **7:13:51**
